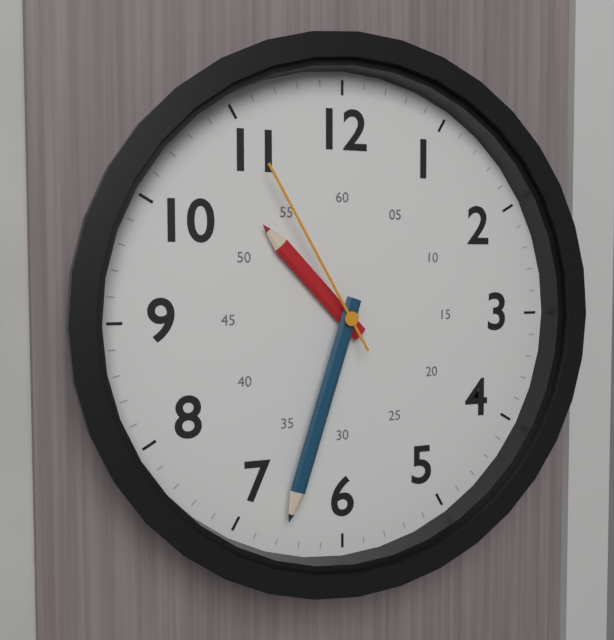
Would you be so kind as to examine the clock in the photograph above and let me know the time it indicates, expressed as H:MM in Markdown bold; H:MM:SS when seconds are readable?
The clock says **10:33:55**
